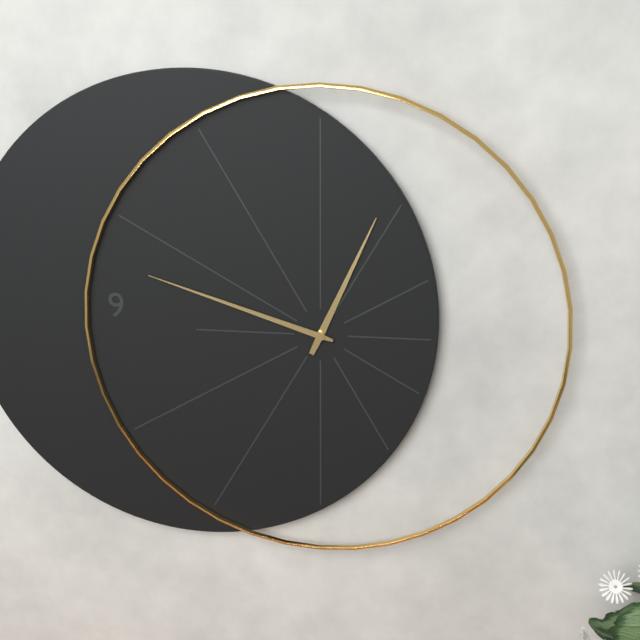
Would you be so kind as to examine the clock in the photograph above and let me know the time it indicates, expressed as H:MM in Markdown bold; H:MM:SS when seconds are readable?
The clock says **12:48**
